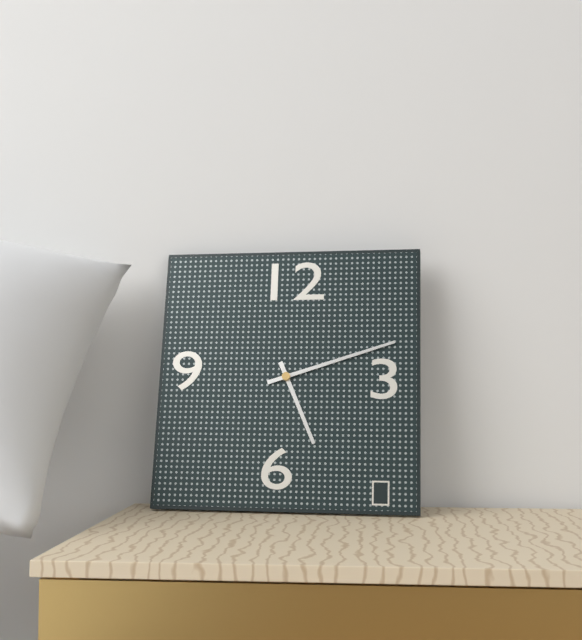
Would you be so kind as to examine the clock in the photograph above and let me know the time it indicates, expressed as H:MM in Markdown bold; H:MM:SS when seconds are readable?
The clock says **5:12**
